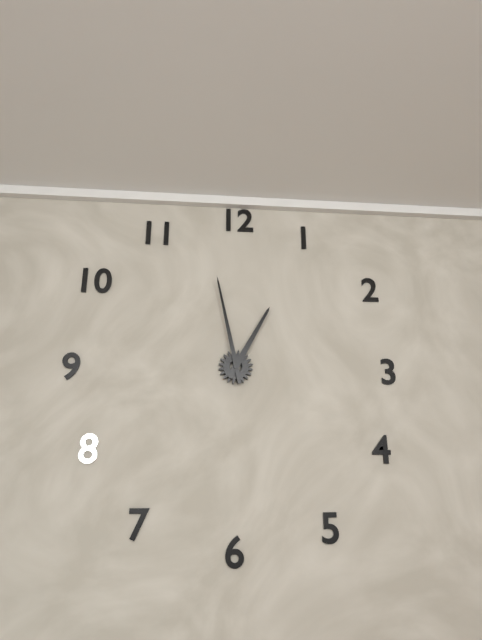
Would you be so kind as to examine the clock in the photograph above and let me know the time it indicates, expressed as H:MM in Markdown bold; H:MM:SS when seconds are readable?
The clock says **12:58**
